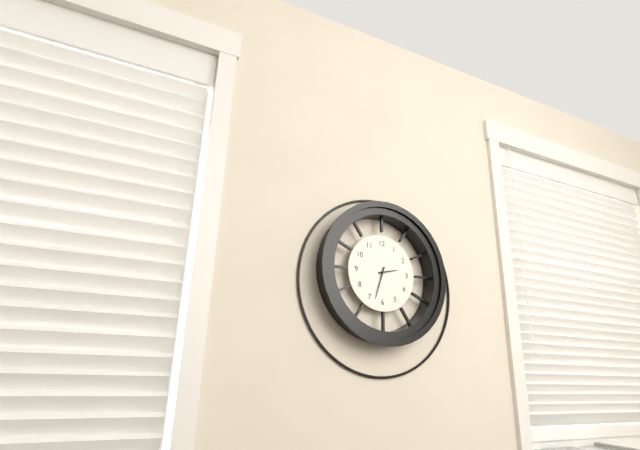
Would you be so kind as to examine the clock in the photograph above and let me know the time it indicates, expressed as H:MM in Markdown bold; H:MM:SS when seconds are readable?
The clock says **2:33**
